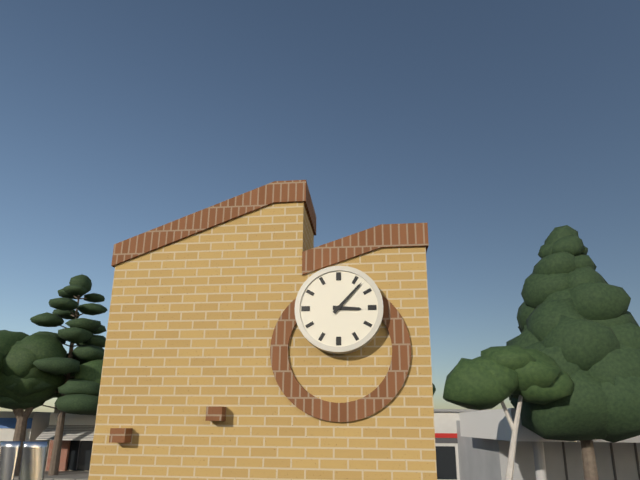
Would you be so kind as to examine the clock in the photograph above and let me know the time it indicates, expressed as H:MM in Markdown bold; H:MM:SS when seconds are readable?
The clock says **3:07**
